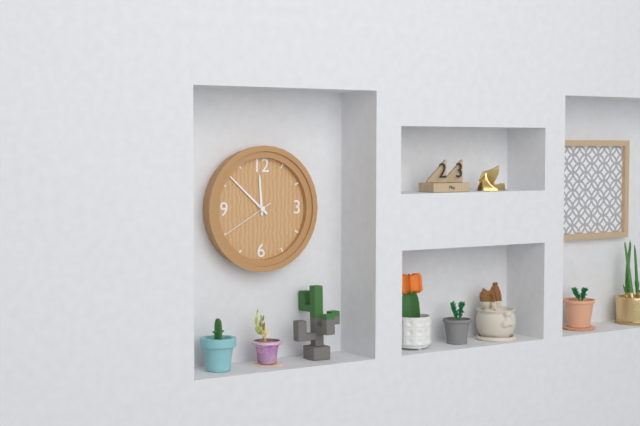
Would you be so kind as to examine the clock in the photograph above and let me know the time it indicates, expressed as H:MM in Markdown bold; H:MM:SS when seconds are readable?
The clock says **11:52:40**
